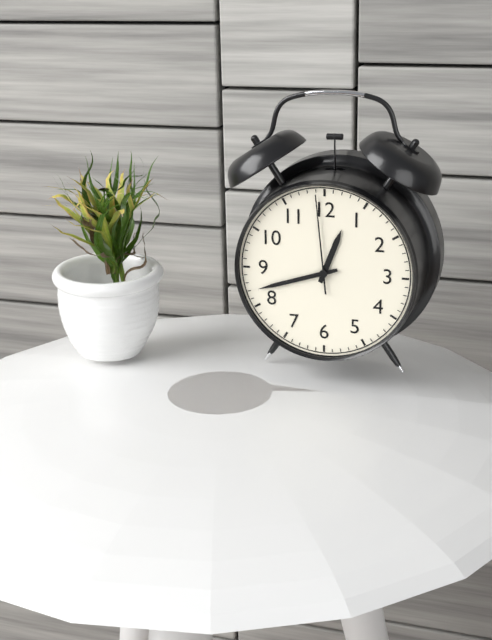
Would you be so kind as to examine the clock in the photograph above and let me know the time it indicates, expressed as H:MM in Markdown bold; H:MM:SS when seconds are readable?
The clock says **12:42:59**
